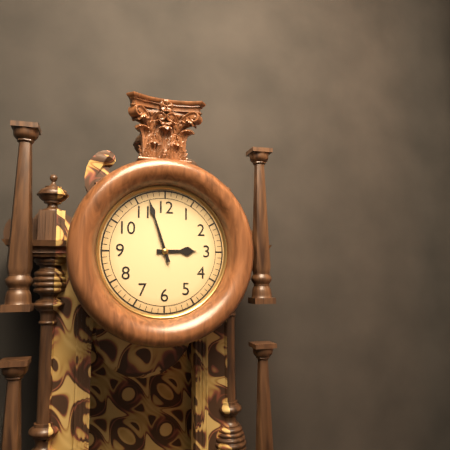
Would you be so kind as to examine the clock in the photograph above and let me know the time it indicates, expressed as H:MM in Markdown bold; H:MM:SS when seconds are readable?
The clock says **2:57**
